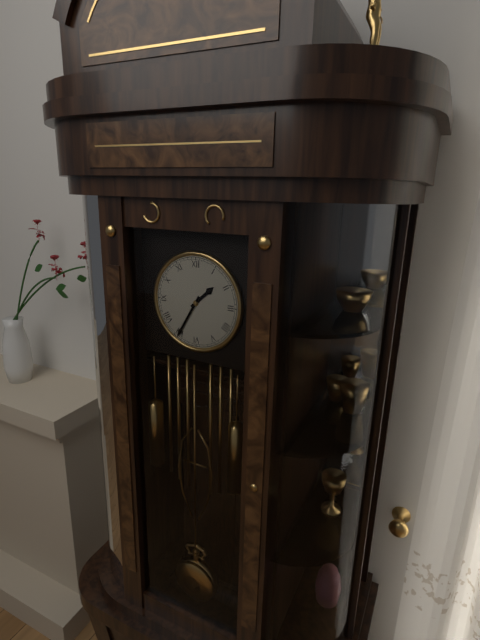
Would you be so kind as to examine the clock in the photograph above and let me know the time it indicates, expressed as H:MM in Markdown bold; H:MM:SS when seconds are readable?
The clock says **1:35**
